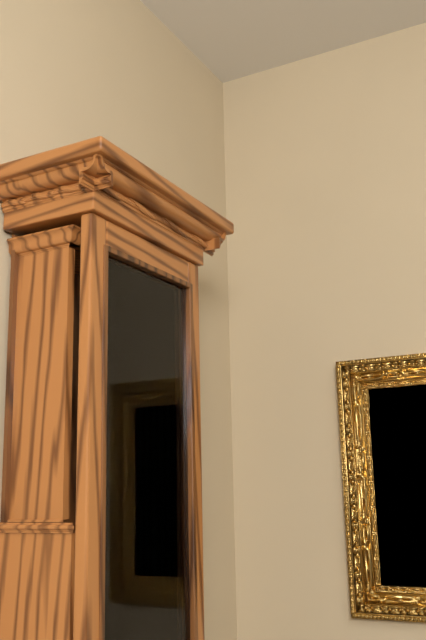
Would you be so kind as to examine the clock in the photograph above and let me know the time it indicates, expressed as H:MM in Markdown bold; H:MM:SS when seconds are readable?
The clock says **8:10**
